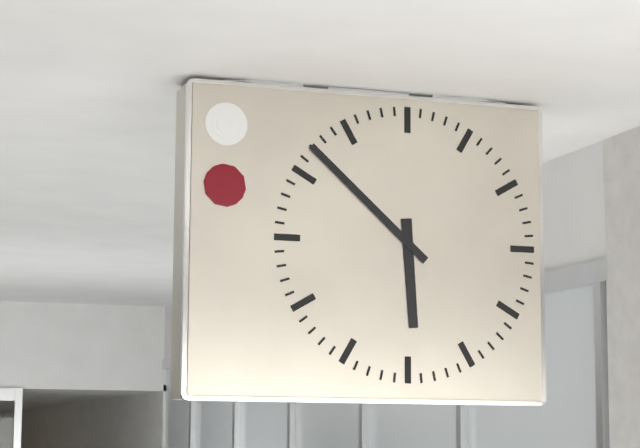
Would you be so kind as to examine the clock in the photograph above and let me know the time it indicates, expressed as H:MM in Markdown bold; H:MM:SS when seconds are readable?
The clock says **5:52**
